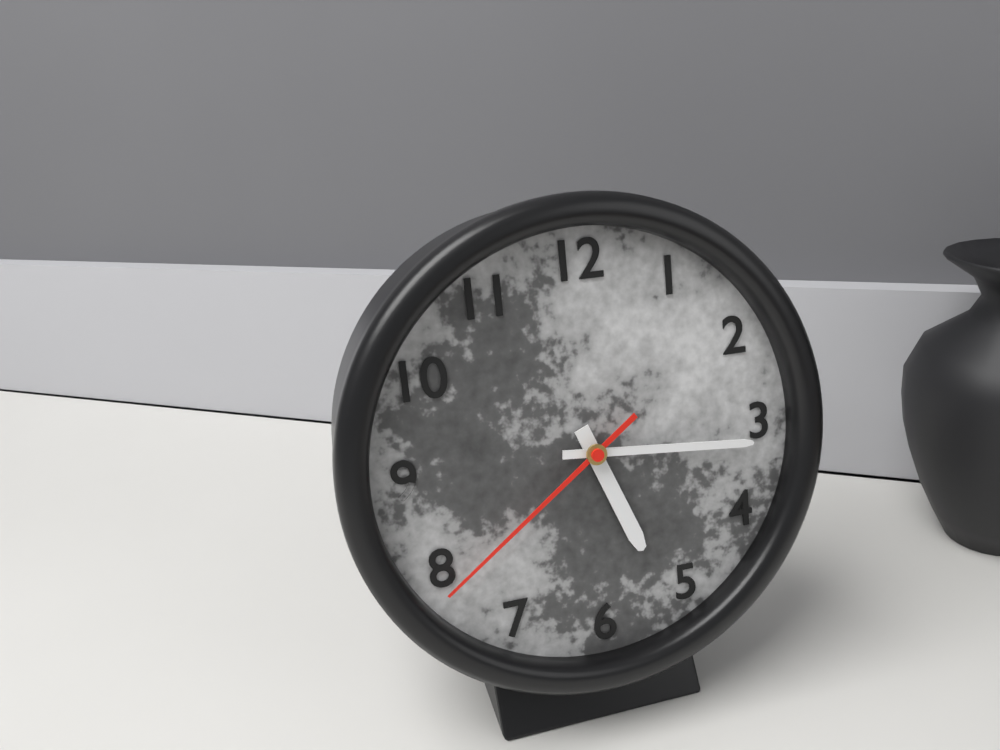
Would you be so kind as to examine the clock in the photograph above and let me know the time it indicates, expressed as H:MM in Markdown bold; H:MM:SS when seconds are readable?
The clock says **5:16:39**
